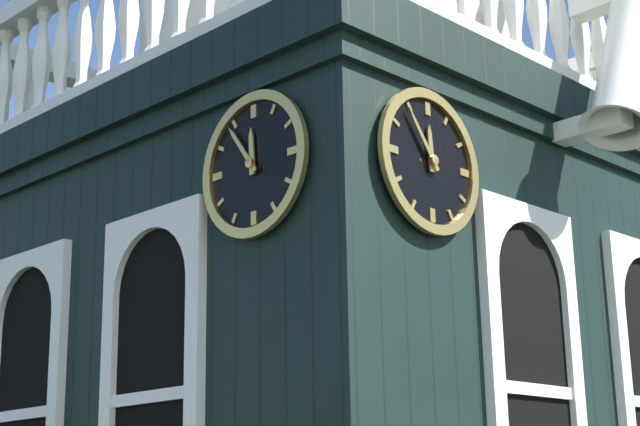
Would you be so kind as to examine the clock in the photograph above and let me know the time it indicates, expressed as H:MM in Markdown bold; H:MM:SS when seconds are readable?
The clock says **11:54**
